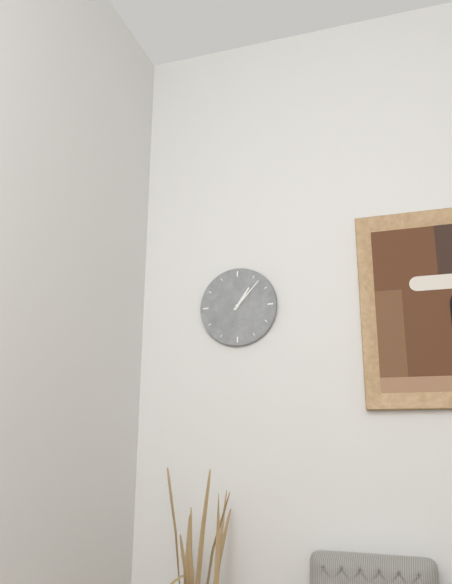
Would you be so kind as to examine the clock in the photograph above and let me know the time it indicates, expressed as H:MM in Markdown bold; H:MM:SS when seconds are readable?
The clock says **1:07**
